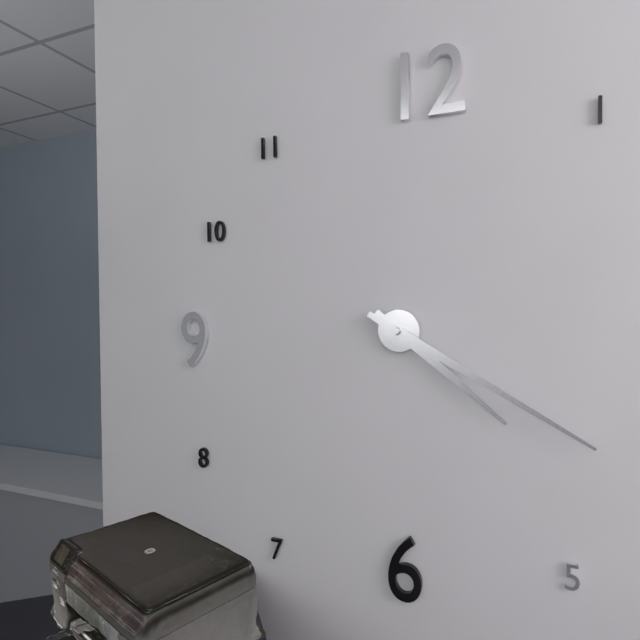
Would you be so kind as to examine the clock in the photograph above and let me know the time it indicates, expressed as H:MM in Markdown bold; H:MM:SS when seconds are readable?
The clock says **4:20**
